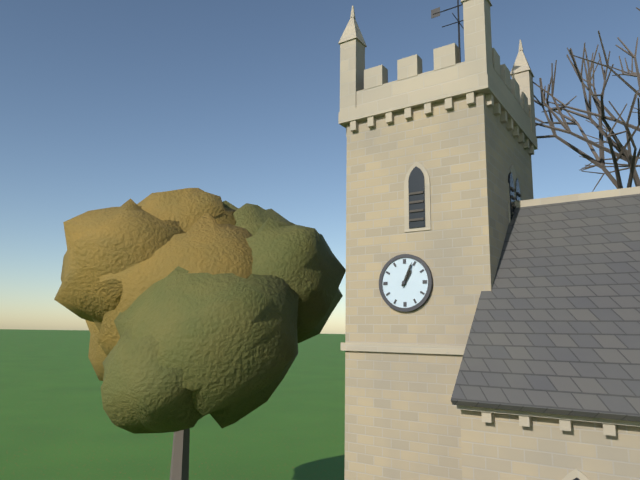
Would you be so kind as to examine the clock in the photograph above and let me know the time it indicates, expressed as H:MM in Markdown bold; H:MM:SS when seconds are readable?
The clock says **1:04**
